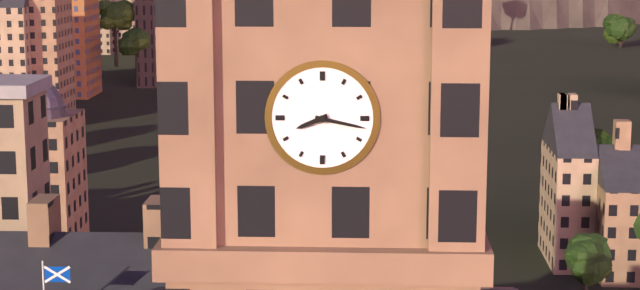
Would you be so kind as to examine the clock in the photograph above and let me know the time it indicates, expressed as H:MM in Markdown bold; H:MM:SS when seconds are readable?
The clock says **8:17**
